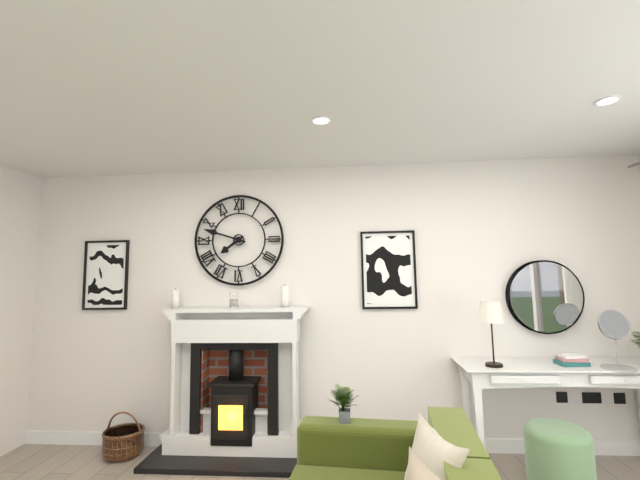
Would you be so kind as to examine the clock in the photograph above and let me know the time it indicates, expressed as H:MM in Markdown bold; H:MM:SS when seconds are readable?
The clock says **7:48**
